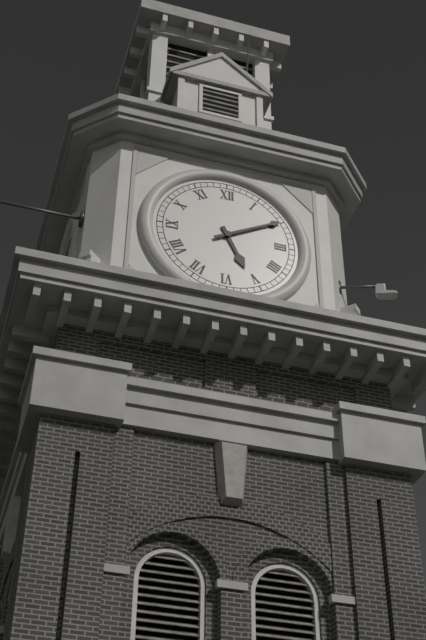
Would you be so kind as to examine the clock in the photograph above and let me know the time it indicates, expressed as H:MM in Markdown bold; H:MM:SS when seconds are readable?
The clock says **5:10**
